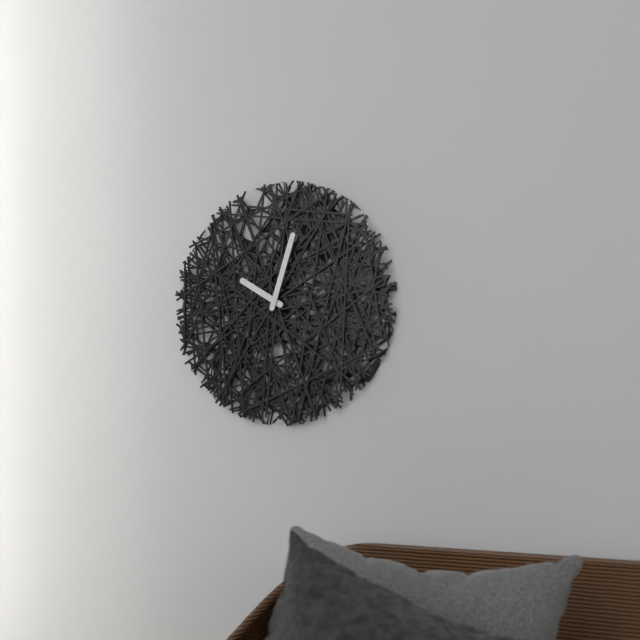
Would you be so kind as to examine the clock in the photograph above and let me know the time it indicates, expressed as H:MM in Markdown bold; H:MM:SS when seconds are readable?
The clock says **10:03**
